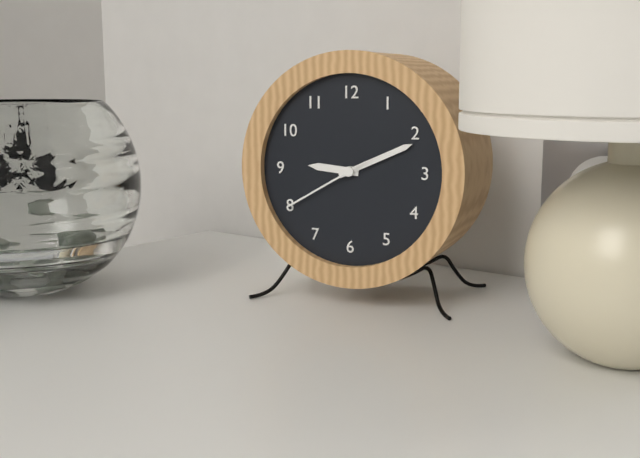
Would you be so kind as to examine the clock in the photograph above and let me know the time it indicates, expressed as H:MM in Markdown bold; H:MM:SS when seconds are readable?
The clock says **9:11:40**
